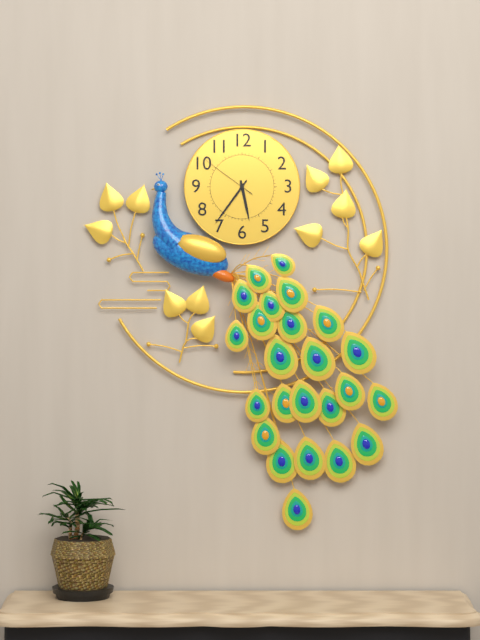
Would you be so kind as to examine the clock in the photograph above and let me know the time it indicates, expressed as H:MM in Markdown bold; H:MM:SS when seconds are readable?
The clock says **5:36:51**
